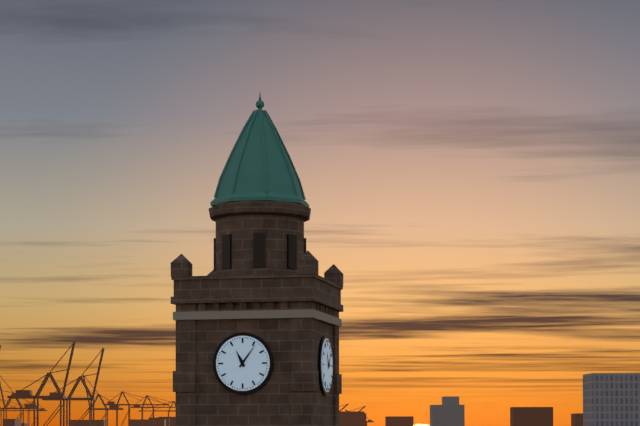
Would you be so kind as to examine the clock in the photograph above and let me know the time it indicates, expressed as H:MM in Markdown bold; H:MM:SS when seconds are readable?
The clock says **11:06**
